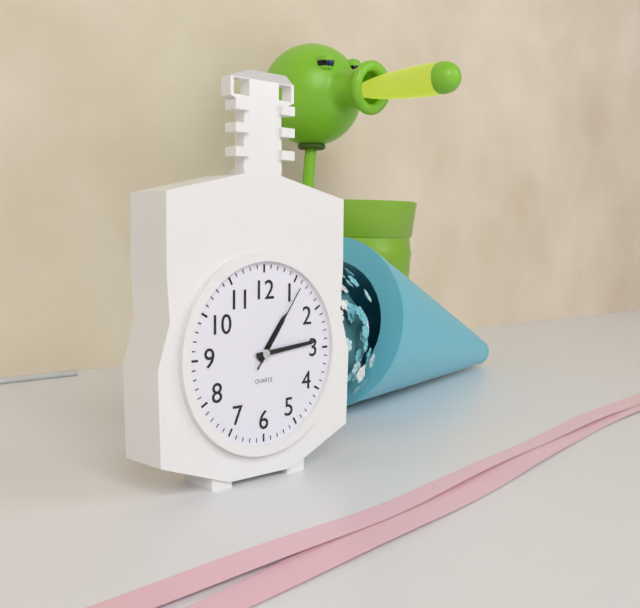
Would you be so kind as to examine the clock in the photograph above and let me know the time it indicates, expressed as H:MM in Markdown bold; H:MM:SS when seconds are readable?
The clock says **1:14:06**
